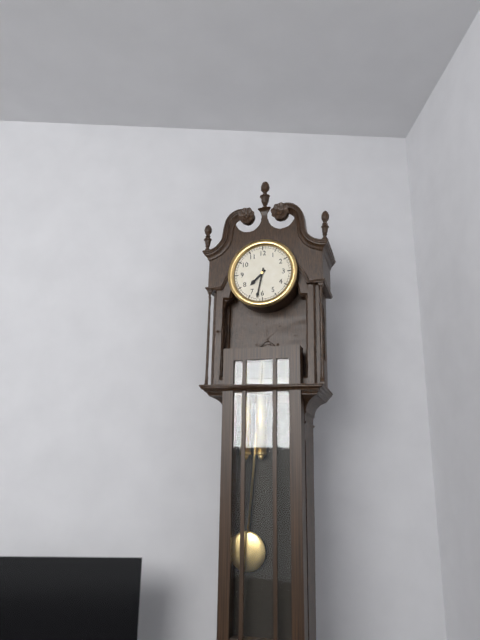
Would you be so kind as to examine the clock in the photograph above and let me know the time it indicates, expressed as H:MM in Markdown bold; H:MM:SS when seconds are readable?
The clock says **7:32**
